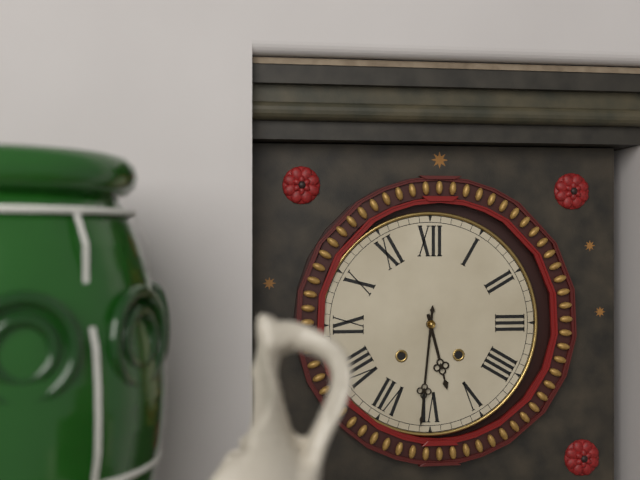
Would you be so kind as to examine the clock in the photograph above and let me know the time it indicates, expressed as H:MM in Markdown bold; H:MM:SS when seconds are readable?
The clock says **5:31**
